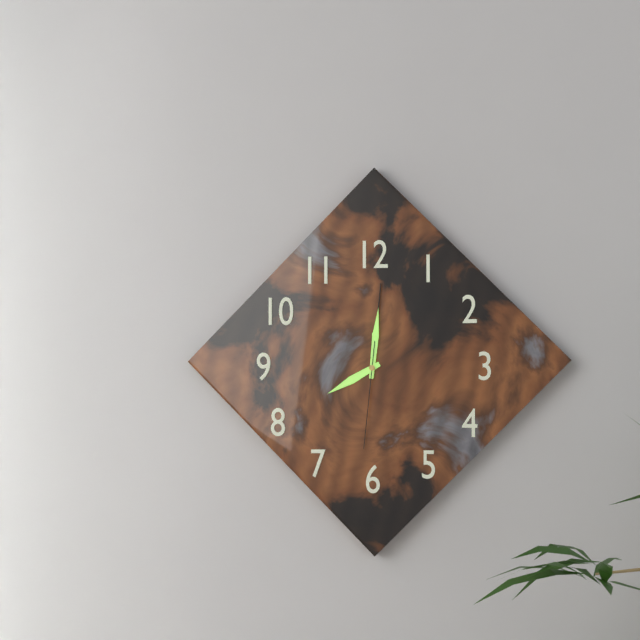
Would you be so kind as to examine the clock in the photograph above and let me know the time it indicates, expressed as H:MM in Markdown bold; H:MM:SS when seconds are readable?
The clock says **8:01:31**
